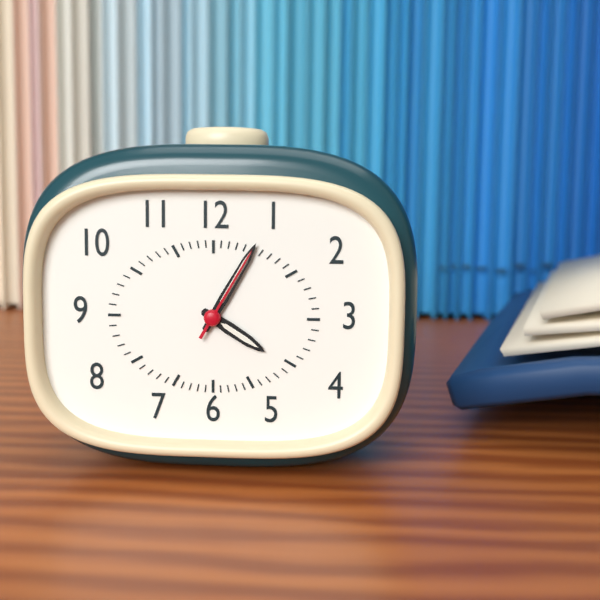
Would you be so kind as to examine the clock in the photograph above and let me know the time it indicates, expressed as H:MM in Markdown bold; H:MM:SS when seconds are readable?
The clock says **4:05:05**
